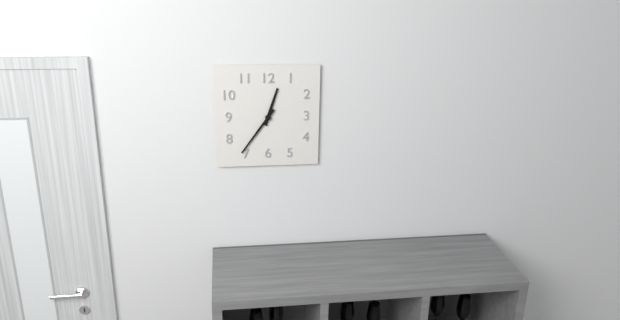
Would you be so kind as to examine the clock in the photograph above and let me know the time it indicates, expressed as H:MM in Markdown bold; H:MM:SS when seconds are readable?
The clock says **12:36**
